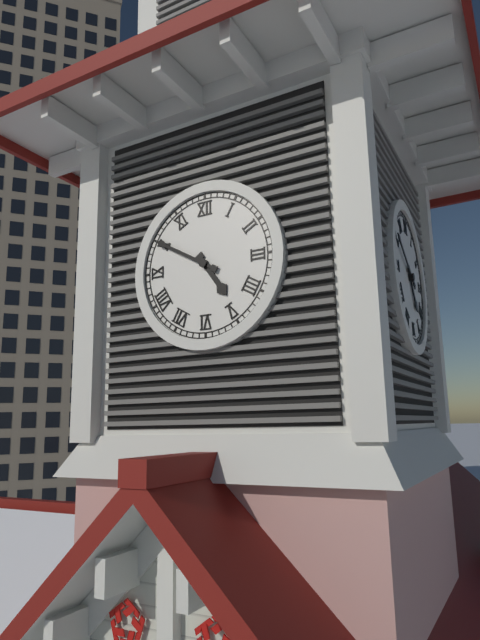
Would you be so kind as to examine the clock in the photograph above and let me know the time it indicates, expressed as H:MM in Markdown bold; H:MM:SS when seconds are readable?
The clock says **4:50**
